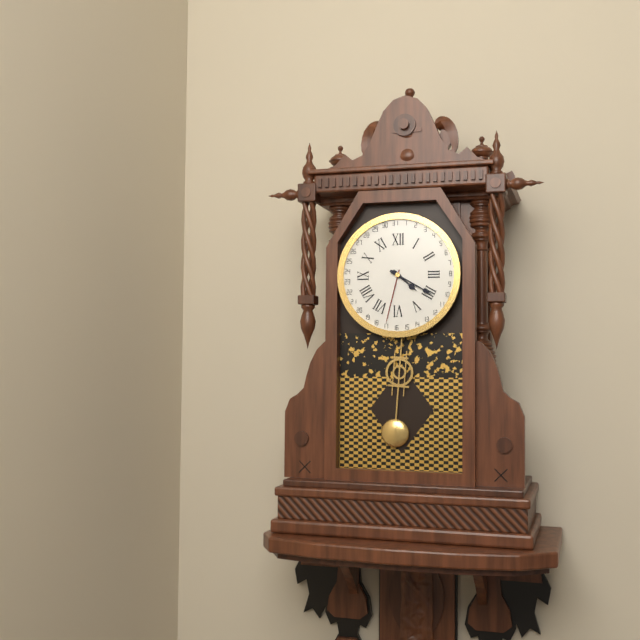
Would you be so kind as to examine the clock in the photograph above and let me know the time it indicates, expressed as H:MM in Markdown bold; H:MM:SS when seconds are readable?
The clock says **4:20**
